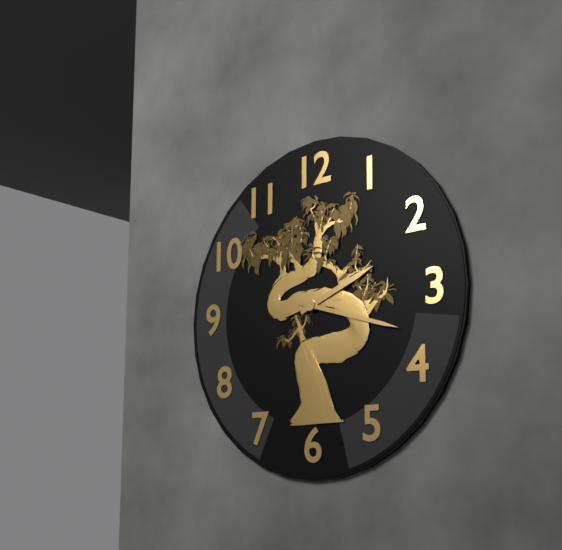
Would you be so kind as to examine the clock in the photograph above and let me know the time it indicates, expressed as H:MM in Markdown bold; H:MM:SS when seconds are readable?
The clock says **2:18**
